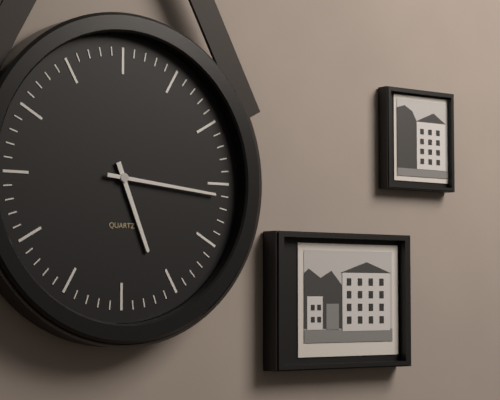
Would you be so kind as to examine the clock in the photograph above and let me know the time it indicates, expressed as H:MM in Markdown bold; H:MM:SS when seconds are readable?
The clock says **5:16**
